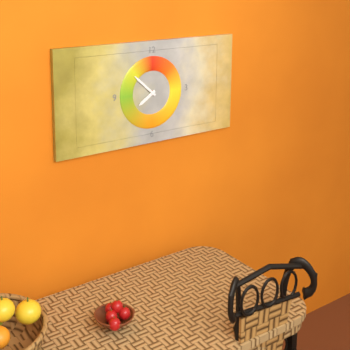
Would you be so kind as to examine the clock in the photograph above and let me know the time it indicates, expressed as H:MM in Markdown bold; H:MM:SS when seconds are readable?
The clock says **7:52**
